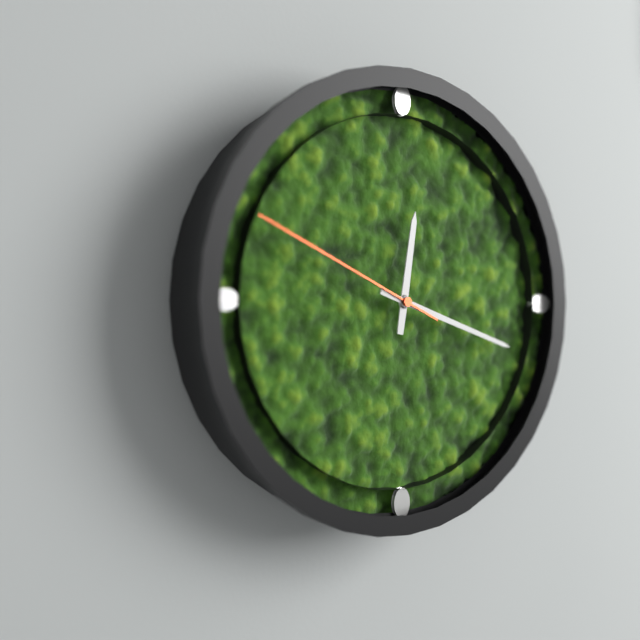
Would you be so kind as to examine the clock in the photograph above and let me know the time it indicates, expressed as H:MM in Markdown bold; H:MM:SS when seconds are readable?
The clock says **12:18:49**
